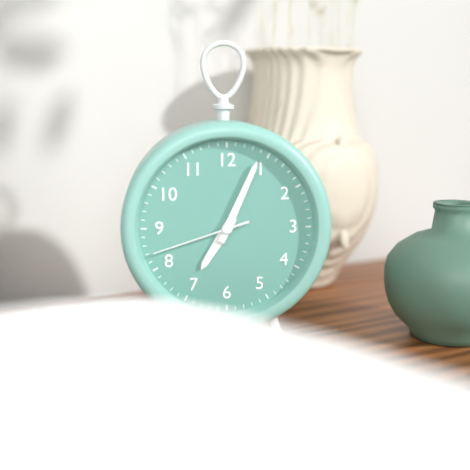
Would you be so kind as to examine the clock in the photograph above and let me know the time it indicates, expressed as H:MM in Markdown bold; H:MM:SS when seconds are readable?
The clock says **7:04:42**
